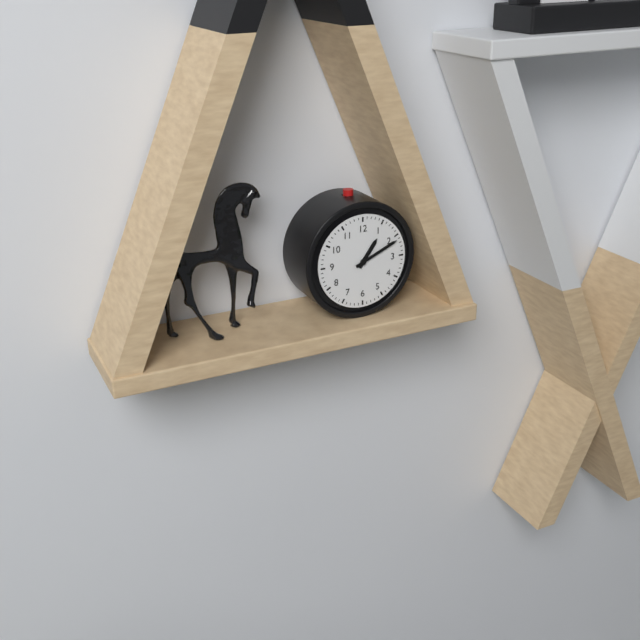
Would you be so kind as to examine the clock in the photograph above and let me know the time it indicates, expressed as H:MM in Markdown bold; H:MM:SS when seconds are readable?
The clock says **1:11**
